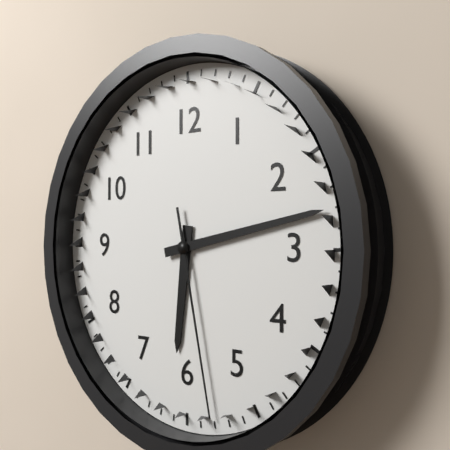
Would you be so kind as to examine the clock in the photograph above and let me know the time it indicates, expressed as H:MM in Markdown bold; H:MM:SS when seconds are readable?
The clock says **6:13:28**
